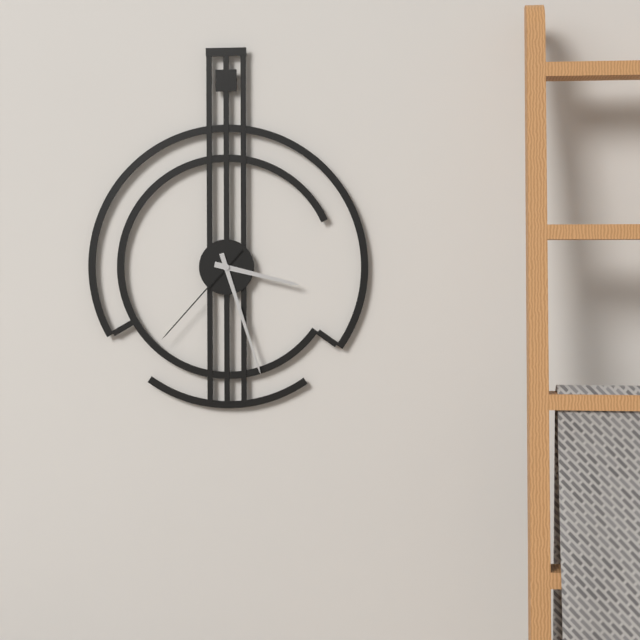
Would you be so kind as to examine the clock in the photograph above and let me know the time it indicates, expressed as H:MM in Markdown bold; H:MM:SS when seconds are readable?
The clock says **3:27:37**
